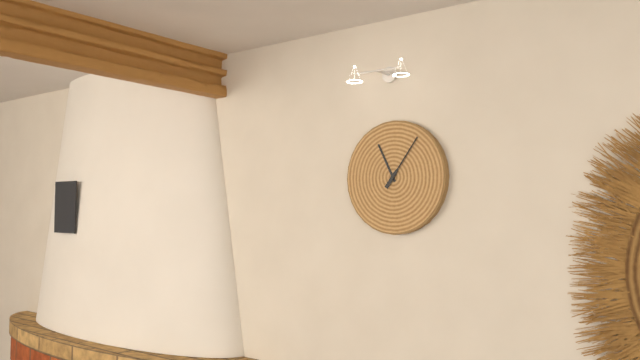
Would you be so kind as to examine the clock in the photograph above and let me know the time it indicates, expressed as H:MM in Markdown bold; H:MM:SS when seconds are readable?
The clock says **11:06**
